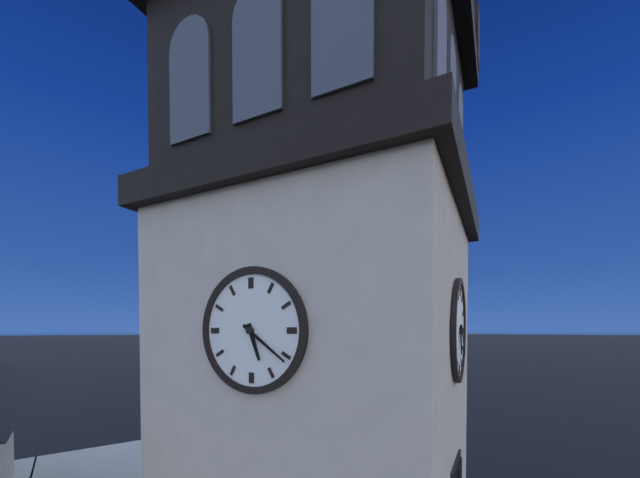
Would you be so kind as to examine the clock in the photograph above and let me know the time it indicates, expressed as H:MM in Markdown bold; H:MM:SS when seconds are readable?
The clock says **5:21**
